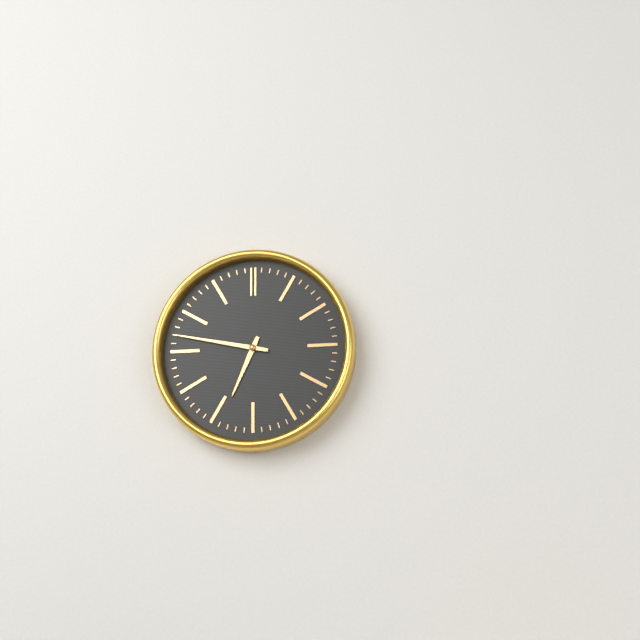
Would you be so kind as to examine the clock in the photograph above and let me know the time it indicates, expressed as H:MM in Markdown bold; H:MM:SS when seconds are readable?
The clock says **6:47**
